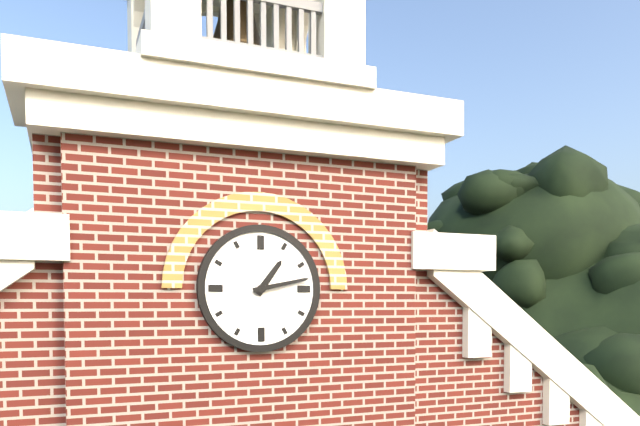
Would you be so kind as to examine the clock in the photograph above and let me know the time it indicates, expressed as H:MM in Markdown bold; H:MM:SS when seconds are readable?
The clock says **1:13**
